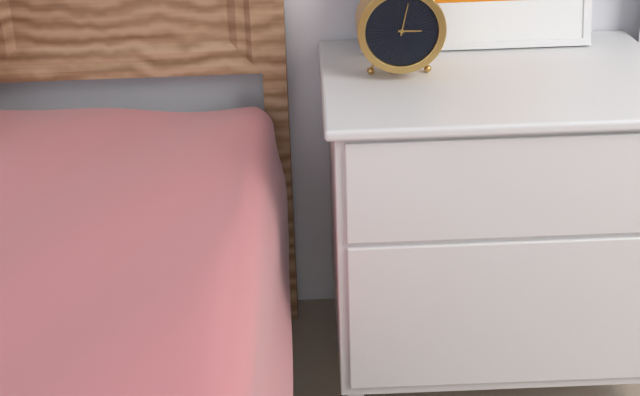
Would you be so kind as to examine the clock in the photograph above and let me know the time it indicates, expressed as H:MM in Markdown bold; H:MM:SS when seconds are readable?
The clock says **3:02**
